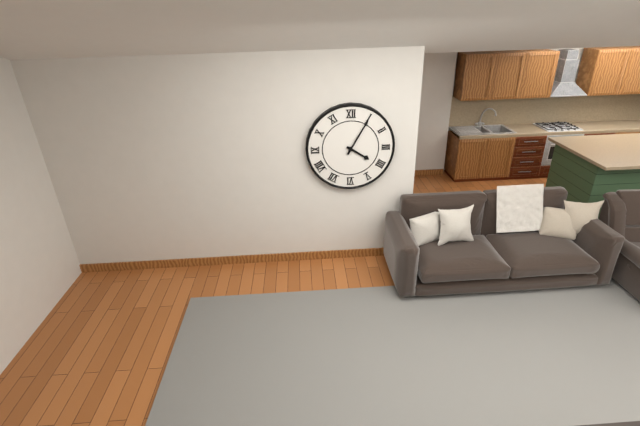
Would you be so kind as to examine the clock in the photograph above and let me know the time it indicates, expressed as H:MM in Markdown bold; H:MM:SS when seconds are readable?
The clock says **4:05**
